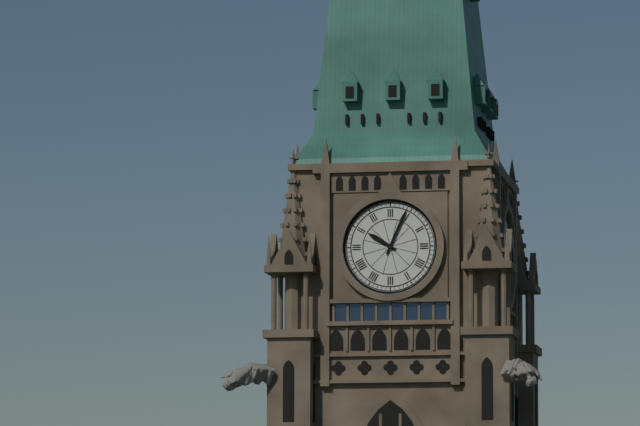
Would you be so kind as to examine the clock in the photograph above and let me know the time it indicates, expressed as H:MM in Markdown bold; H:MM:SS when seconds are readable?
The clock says **10:04**
